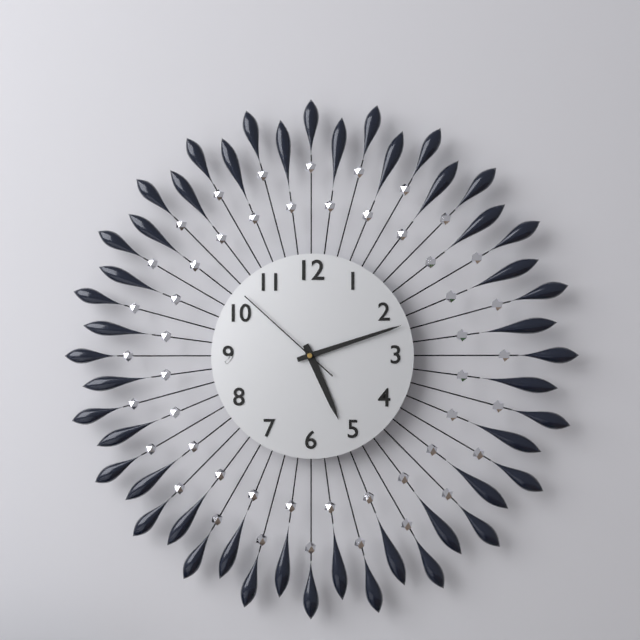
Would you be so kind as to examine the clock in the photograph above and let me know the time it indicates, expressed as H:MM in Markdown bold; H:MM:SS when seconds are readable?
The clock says **5:12:52**
